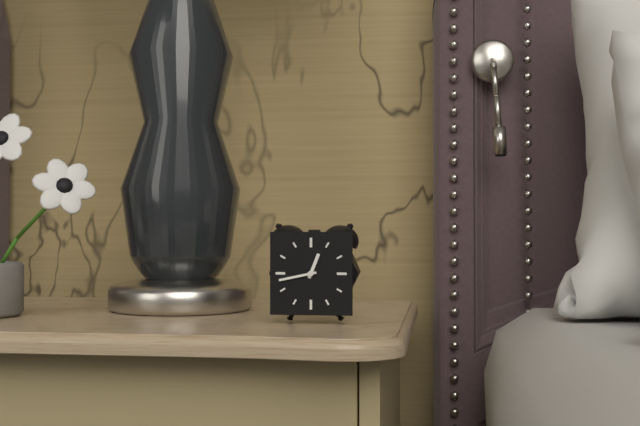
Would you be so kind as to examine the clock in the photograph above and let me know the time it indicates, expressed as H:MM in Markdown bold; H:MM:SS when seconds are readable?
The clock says **12:43**
